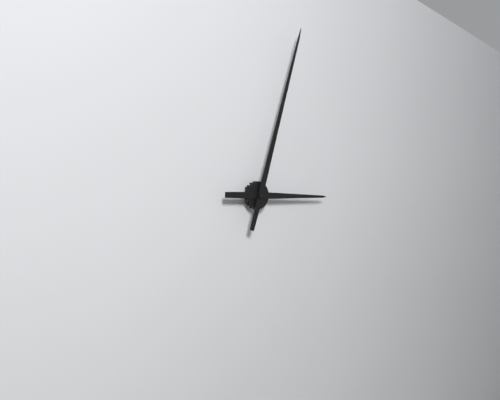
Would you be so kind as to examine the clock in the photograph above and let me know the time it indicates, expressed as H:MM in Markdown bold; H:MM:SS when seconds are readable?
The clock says **3:03**
